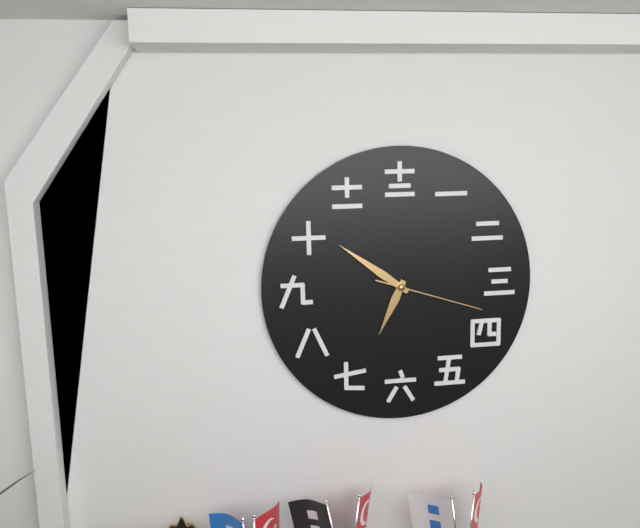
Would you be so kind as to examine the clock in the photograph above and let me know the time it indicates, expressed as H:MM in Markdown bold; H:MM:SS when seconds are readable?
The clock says **6:51:18**
